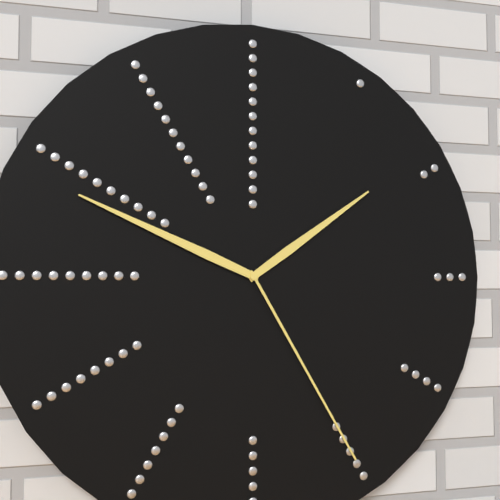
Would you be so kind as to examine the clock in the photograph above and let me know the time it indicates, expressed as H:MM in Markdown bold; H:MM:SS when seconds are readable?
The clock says **1:49:25**
